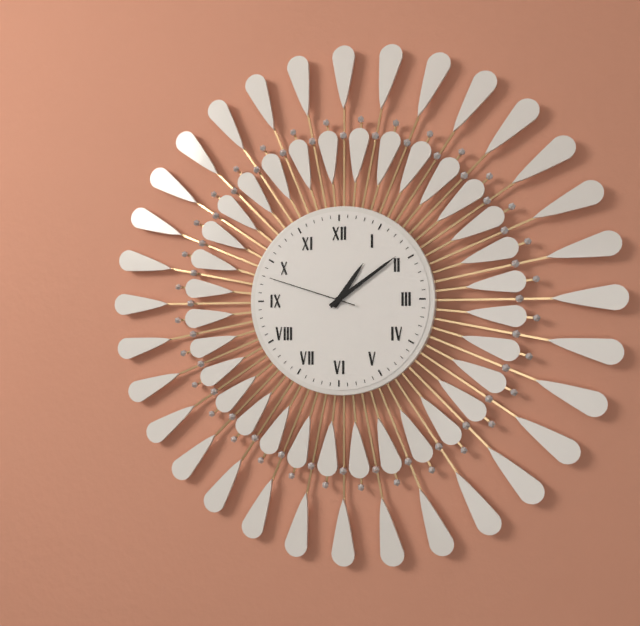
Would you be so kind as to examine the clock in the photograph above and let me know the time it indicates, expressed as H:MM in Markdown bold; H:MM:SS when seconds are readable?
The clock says **1:09:48**
